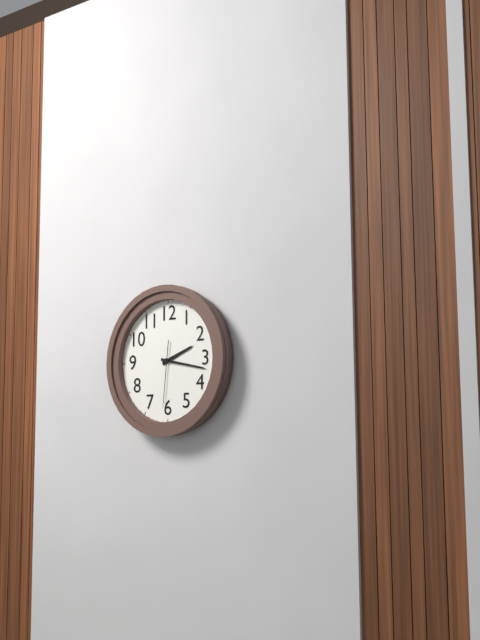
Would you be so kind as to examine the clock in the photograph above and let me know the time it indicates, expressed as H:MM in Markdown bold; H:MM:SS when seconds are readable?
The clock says **2:17:31**
